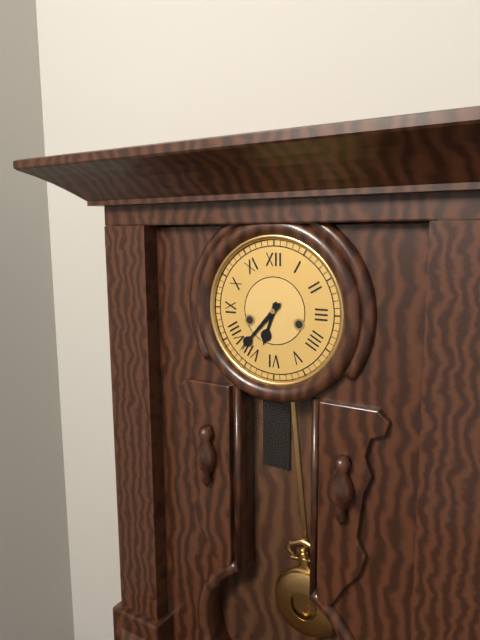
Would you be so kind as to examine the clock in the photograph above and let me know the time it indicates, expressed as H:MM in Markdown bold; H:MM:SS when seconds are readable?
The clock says **6:37**
